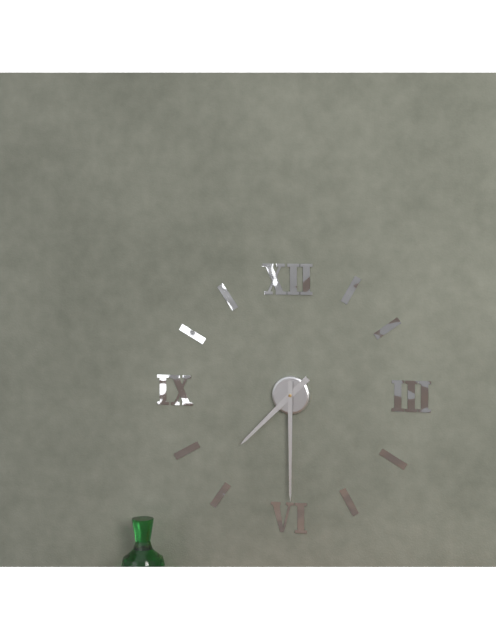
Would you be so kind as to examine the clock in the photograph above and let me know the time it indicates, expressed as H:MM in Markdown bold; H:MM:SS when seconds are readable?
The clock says **7:30**
